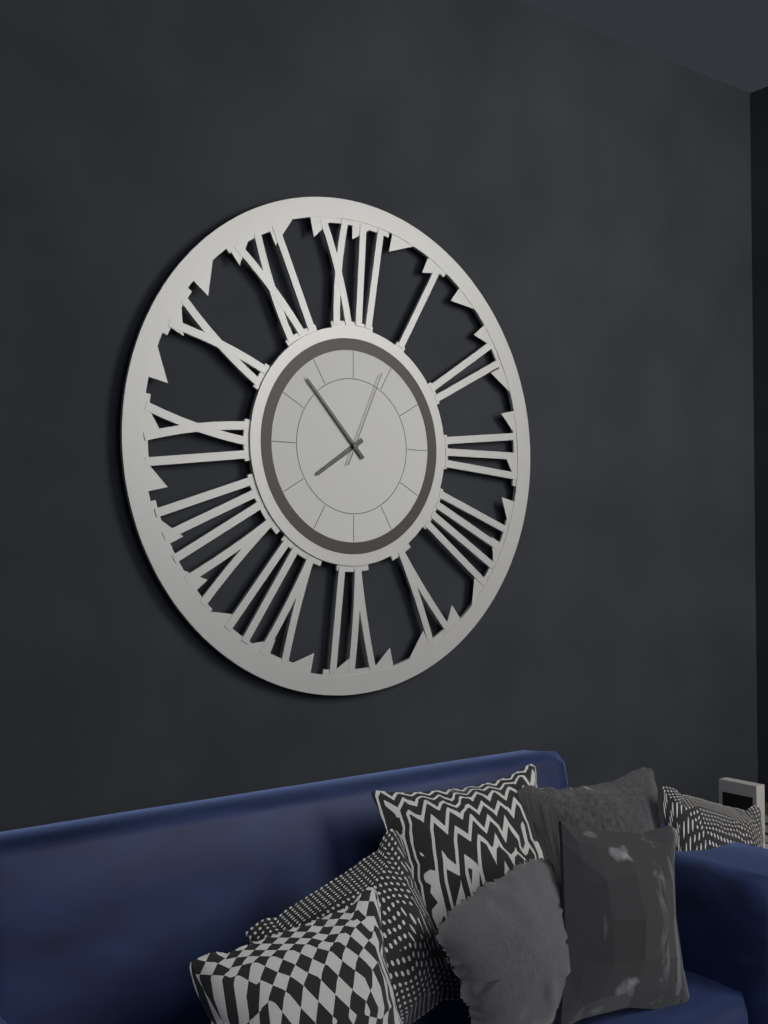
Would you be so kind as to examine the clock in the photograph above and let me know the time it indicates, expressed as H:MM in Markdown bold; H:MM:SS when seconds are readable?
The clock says **7:53:04**
